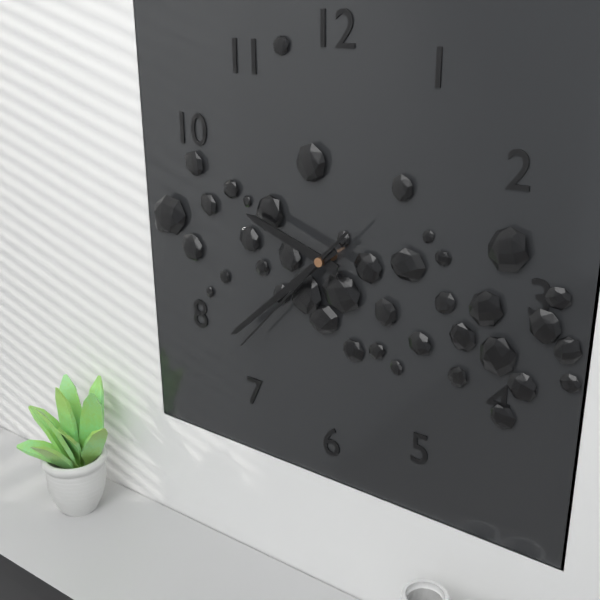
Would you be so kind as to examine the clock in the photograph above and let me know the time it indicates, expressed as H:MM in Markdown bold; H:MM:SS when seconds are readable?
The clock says **9:38:37**
